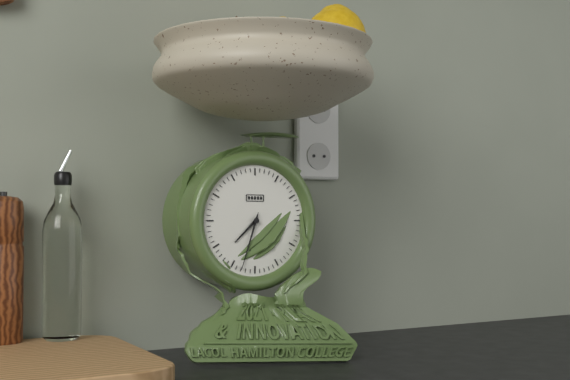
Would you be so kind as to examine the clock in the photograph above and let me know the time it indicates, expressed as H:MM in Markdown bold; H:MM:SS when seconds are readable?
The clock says **7:33**
